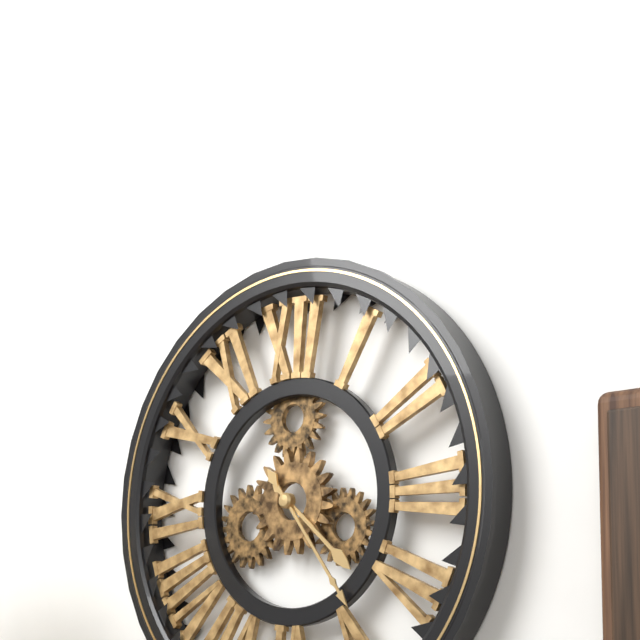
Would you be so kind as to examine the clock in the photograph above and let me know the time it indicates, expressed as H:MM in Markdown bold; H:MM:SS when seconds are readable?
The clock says **4:24**
